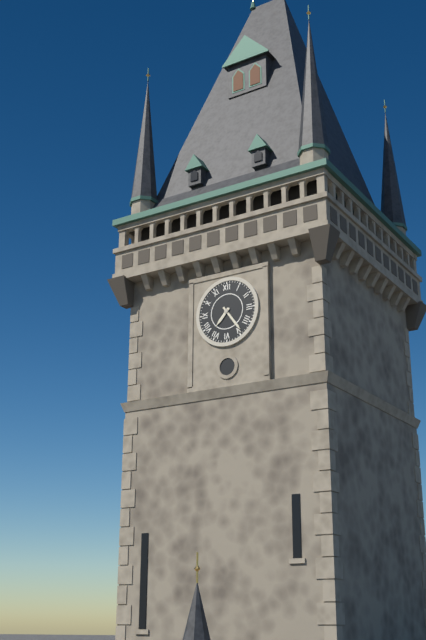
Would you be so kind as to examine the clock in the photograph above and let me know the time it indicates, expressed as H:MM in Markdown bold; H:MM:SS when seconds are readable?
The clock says **7:24**
